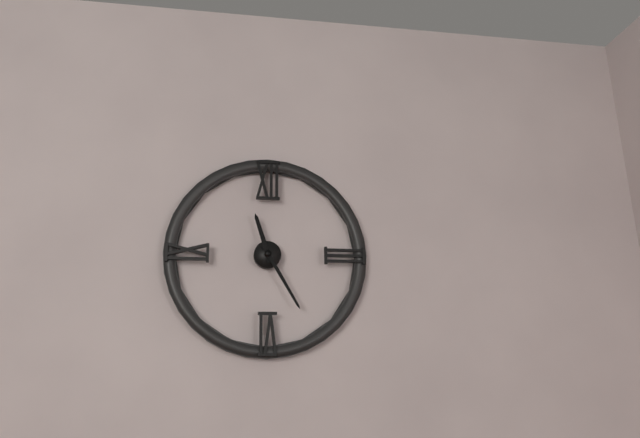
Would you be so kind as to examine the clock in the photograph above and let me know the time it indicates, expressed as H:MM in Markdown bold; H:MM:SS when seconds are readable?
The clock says **11:25**
